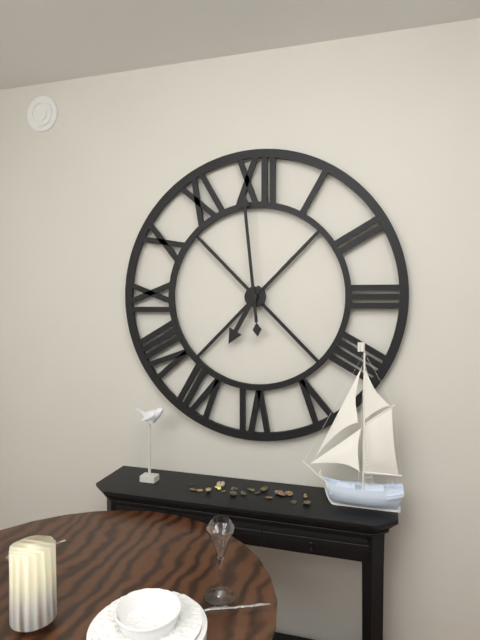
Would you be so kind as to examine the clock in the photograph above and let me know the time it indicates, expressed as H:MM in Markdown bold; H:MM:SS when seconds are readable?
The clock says **6:59**
